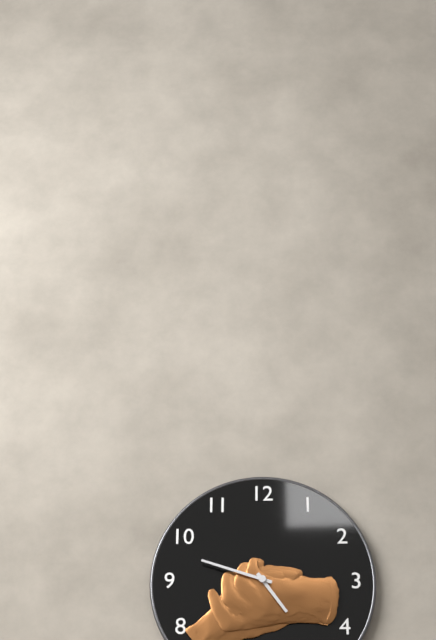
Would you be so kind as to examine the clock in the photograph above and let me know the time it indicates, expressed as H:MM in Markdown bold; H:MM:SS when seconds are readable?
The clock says **4:48**
